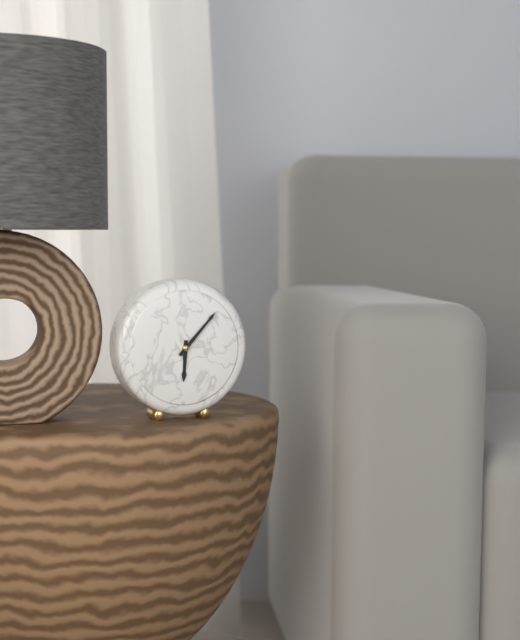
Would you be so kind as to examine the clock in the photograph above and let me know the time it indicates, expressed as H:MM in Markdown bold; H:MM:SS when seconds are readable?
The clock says **6:07**
